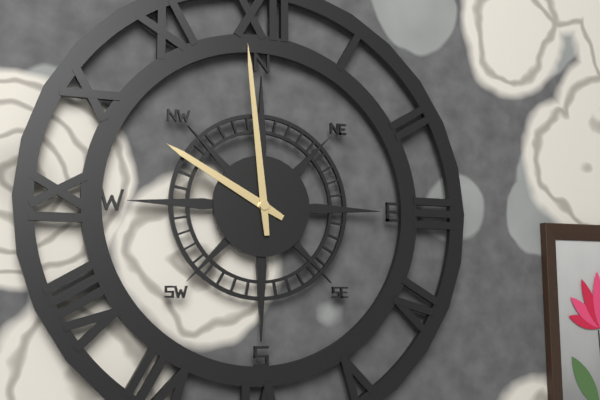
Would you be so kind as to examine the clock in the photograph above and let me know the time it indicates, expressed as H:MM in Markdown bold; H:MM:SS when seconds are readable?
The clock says **9:59**
